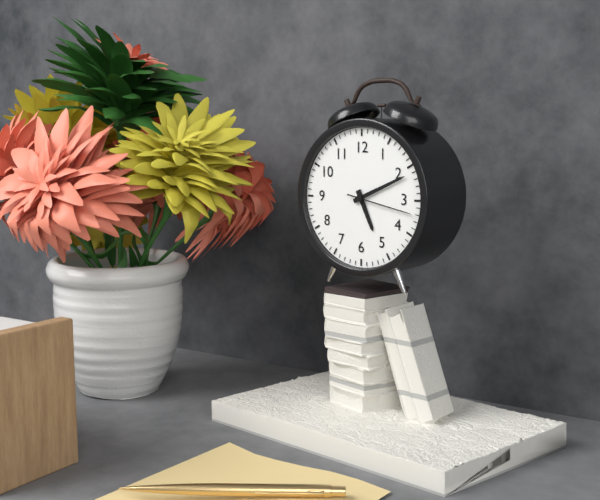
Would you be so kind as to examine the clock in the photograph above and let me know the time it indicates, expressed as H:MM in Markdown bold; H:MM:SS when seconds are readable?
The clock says **5:11:17**
